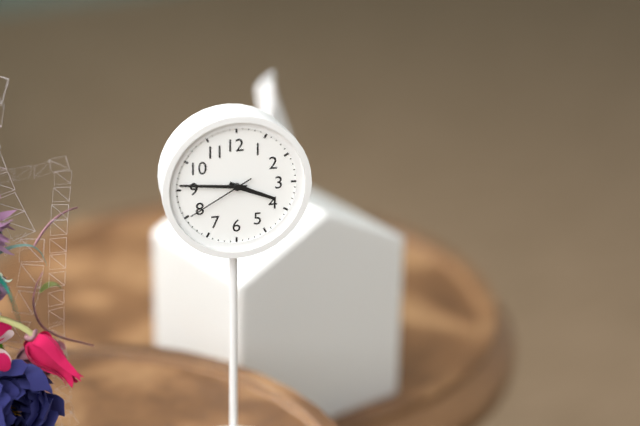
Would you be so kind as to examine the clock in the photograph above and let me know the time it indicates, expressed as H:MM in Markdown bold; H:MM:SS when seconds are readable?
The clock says **3:46:40**
